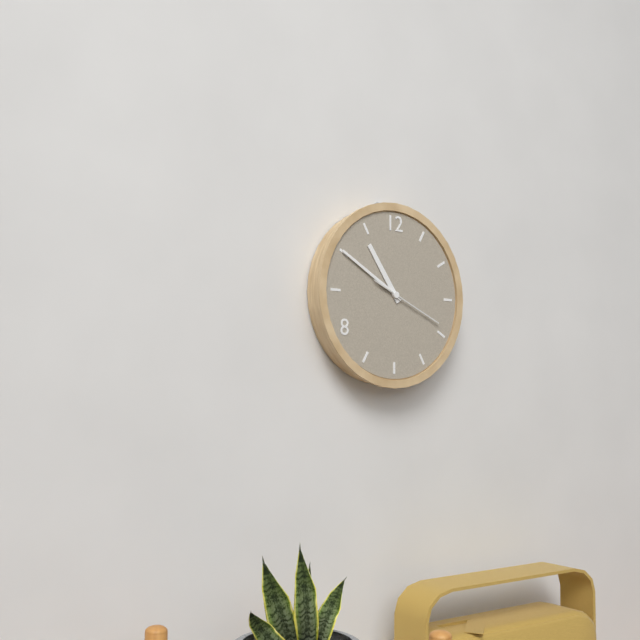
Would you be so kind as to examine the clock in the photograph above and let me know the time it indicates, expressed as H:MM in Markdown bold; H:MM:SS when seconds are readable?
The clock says **10:50:19**
